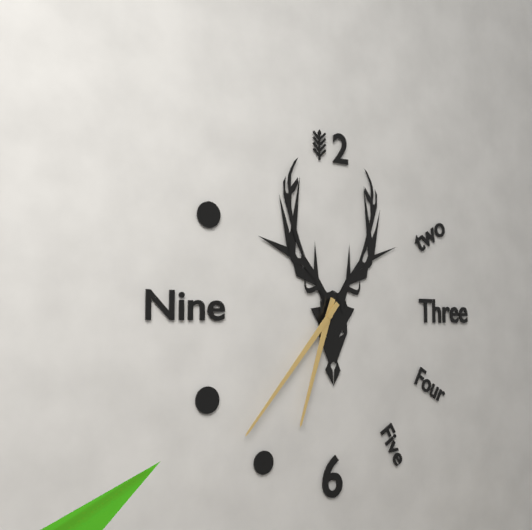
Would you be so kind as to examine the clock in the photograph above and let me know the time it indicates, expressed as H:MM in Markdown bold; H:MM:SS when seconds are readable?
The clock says **6:37**
